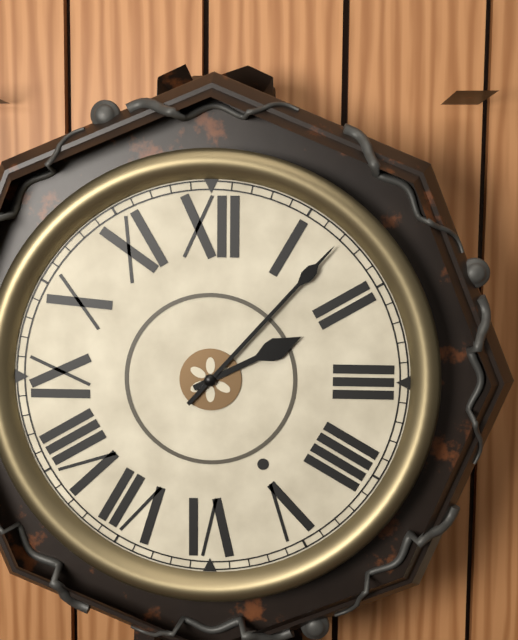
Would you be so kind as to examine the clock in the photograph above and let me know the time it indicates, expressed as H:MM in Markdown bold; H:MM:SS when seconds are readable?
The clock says **2:07**
